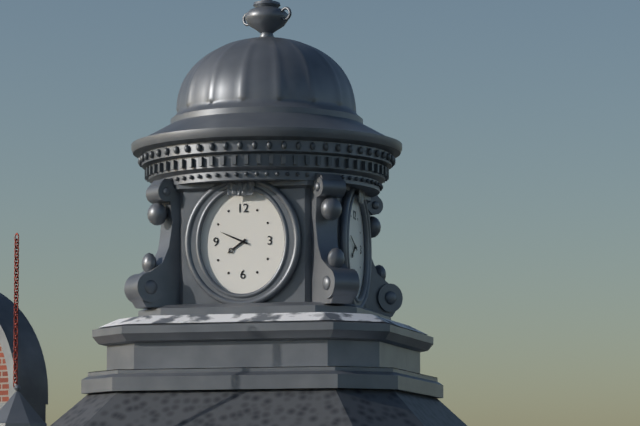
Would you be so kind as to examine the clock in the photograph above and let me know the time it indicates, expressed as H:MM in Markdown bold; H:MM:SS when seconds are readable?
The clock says **7:49**
